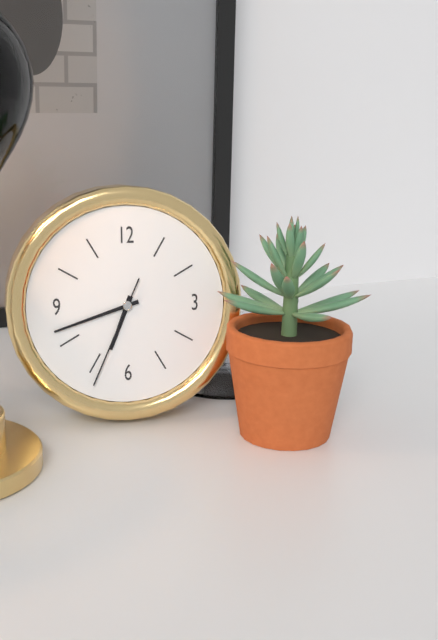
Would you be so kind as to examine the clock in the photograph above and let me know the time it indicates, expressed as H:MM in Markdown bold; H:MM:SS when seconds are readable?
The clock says **6:42:34**
